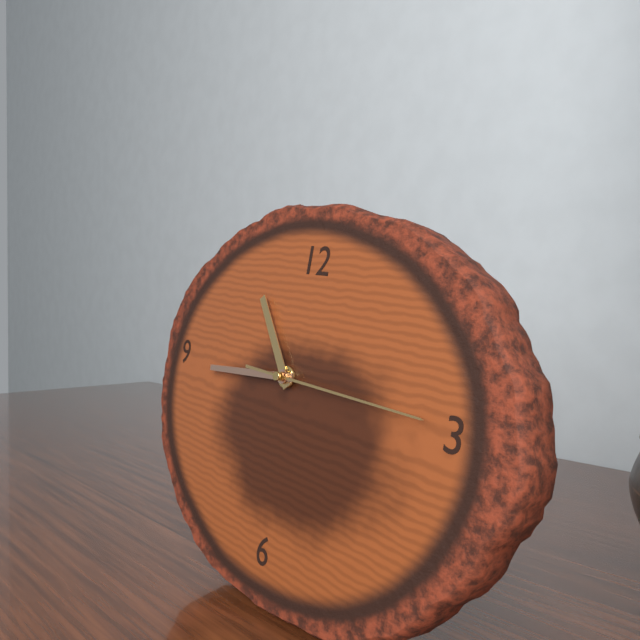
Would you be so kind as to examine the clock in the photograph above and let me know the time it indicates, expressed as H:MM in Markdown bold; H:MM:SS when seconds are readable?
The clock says **10:44:15**
